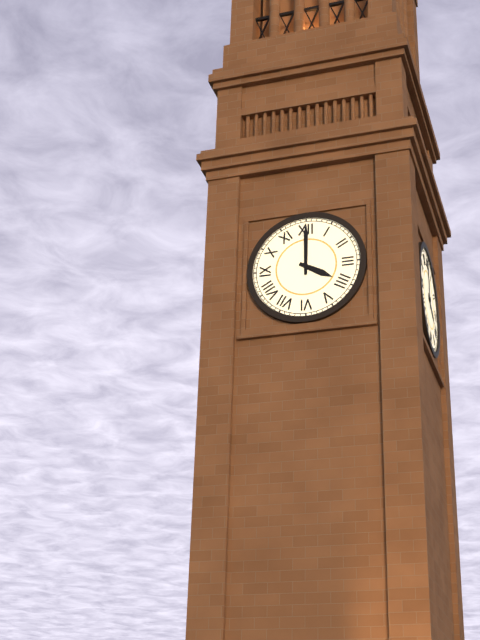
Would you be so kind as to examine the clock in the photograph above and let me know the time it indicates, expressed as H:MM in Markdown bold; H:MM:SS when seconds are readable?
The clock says **4:00**
